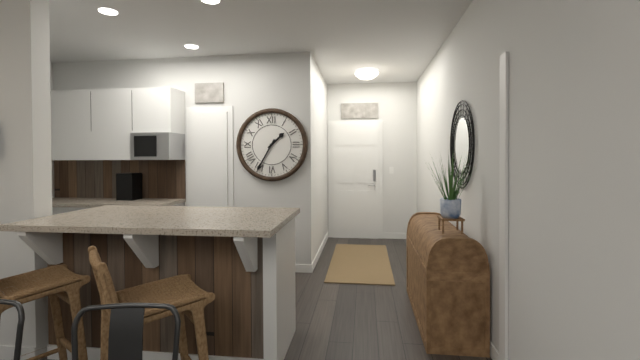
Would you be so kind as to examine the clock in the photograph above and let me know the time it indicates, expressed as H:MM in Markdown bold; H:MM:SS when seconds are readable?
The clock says **1:35**
